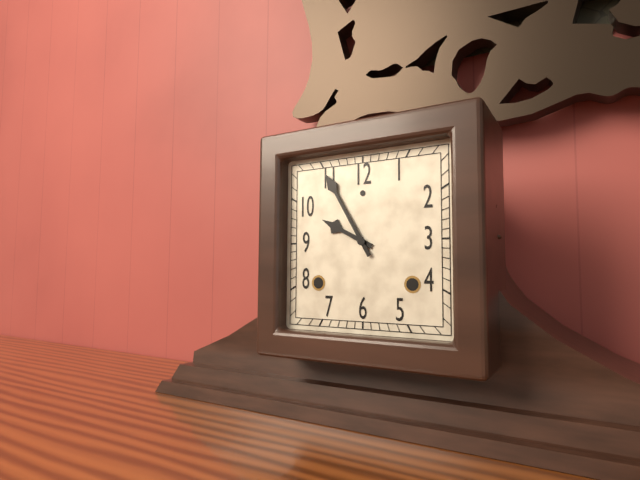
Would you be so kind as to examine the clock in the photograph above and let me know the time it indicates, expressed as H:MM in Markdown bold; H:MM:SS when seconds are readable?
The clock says **9:55**
